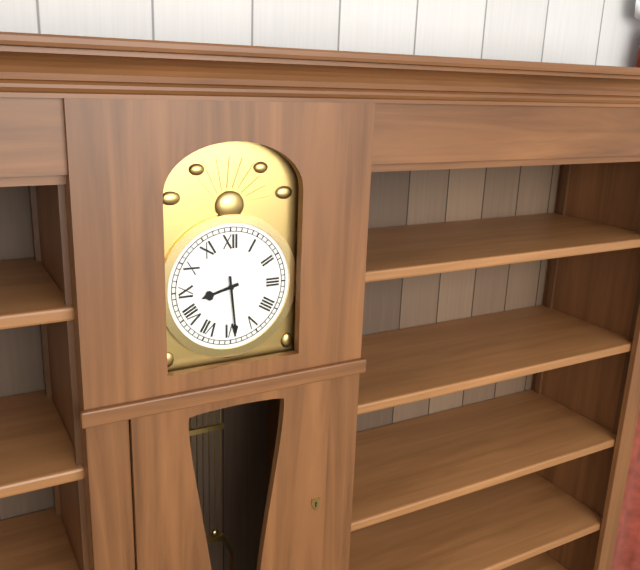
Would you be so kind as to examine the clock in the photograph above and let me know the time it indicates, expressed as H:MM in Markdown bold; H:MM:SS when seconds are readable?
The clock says **8:29**
